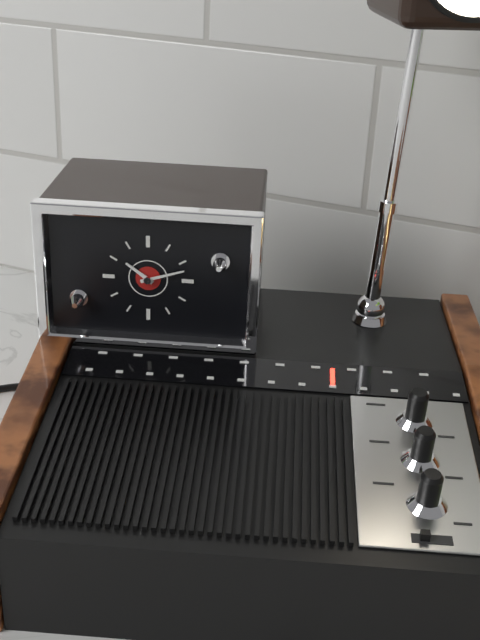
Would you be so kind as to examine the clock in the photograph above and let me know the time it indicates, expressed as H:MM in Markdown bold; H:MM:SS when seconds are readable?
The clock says **10:12**
